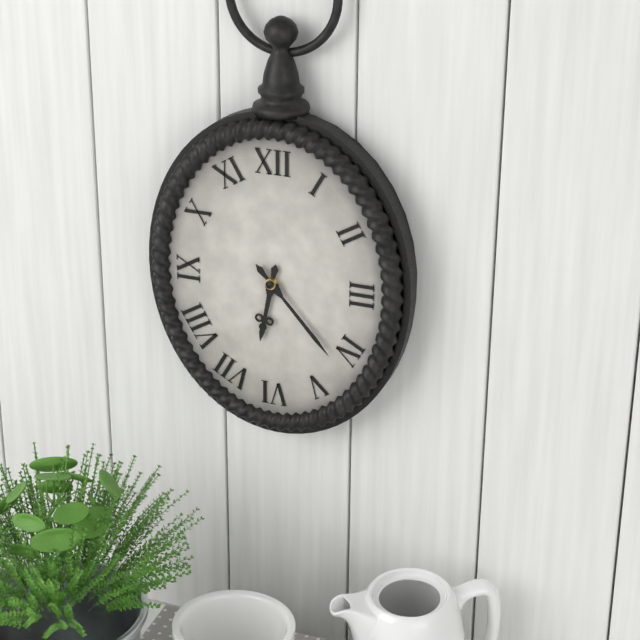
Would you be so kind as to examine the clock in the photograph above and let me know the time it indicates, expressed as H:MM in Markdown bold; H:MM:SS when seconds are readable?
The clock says **6:23**
